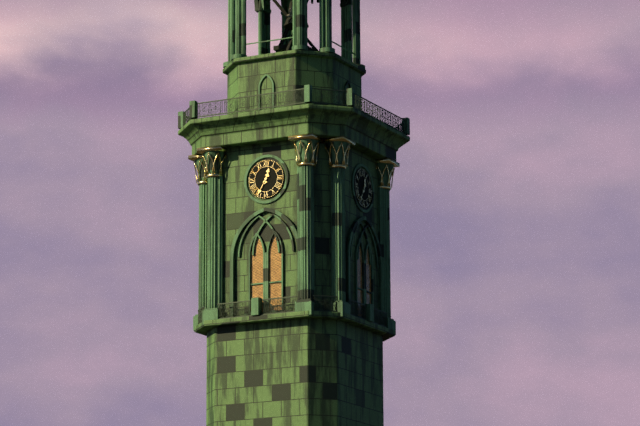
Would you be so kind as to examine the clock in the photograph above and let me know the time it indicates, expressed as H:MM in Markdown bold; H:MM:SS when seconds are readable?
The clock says **12:35**
